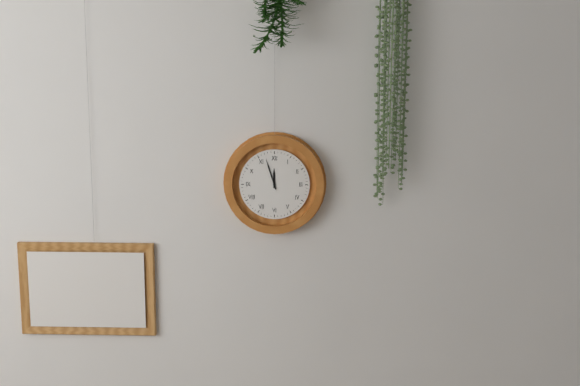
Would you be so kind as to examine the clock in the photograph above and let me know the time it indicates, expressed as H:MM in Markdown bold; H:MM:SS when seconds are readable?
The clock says **11:57**
